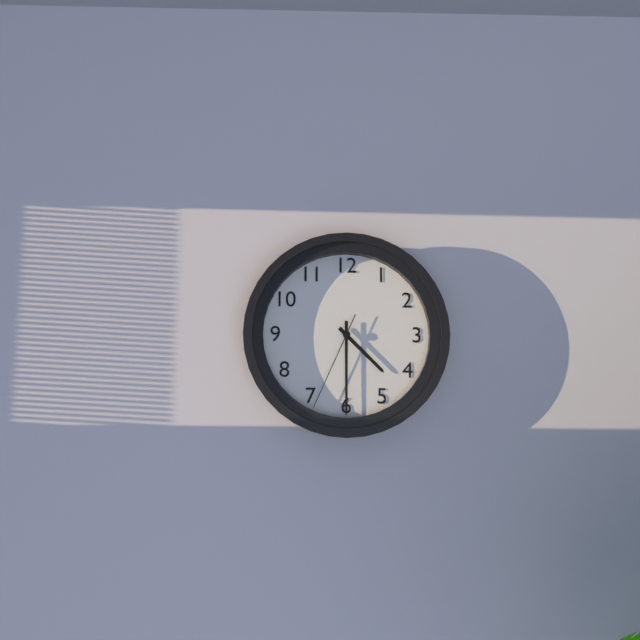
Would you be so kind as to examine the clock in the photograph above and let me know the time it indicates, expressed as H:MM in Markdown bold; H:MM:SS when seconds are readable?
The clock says **4:30:34**
